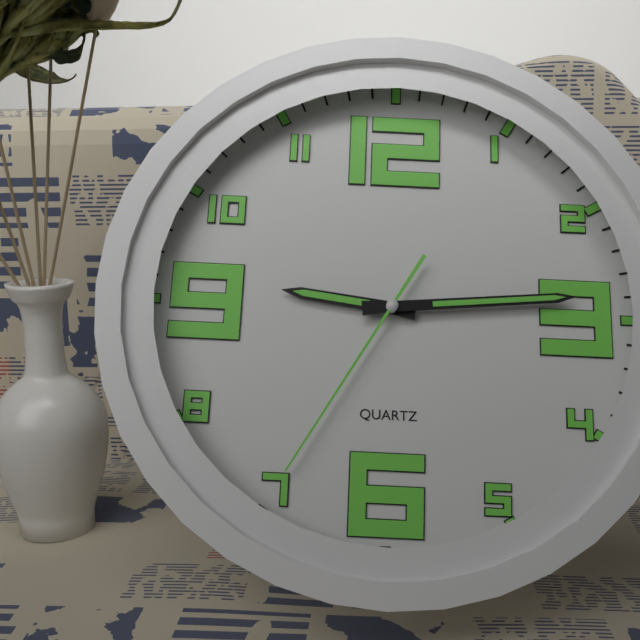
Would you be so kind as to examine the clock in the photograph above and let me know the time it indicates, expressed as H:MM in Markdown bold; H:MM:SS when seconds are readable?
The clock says **9:14:35**
